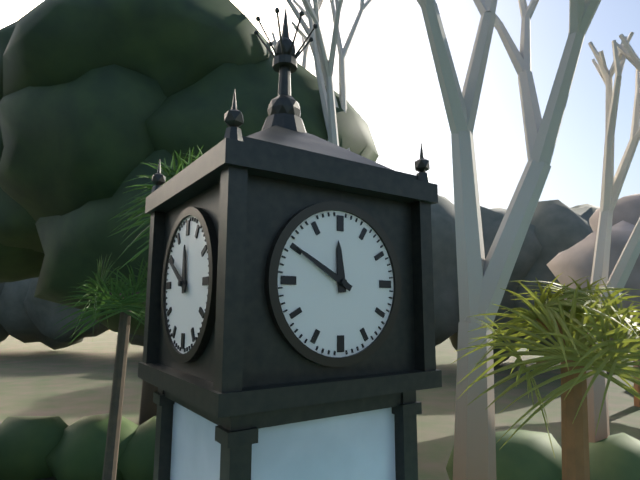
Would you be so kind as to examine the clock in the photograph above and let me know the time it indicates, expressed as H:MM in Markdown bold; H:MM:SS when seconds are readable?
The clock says **11:50**
